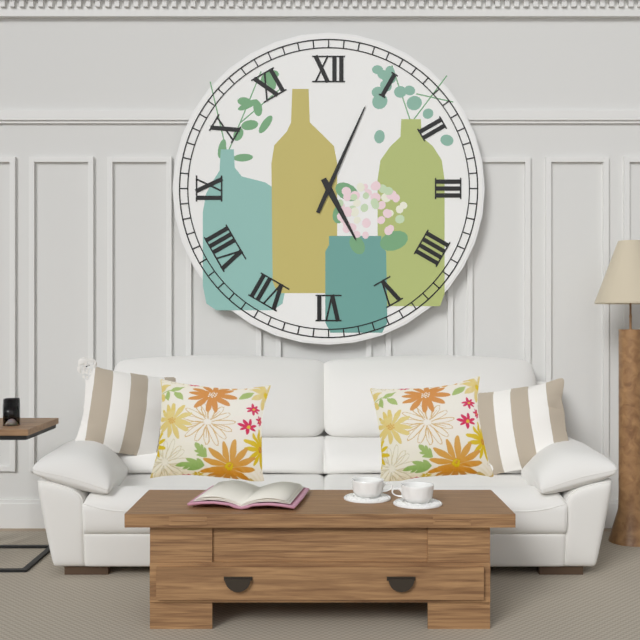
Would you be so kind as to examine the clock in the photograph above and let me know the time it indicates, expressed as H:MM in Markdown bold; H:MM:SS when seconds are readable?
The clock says **5:04**
